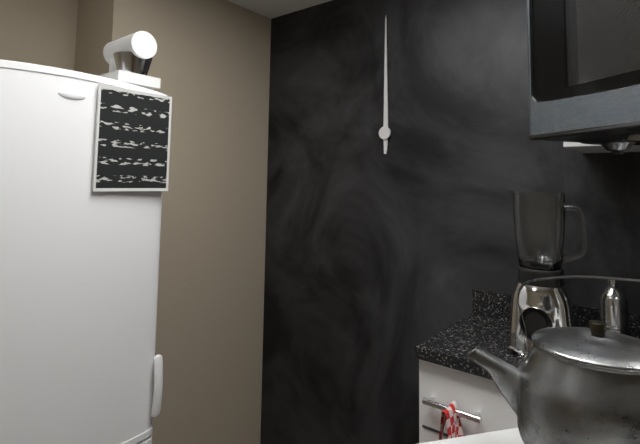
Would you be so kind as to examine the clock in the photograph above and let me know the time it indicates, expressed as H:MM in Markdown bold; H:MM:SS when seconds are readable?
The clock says **12:00**
